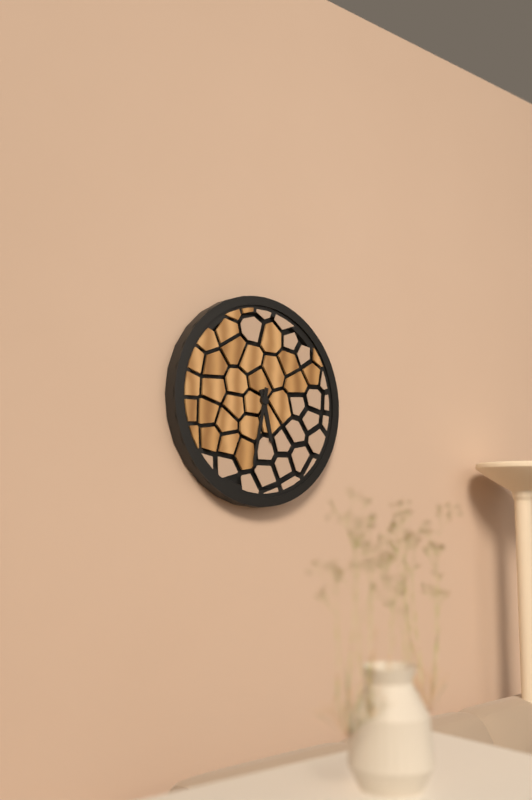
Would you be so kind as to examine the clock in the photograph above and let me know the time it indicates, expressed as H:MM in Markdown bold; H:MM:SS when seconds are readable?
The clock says **5:32**
